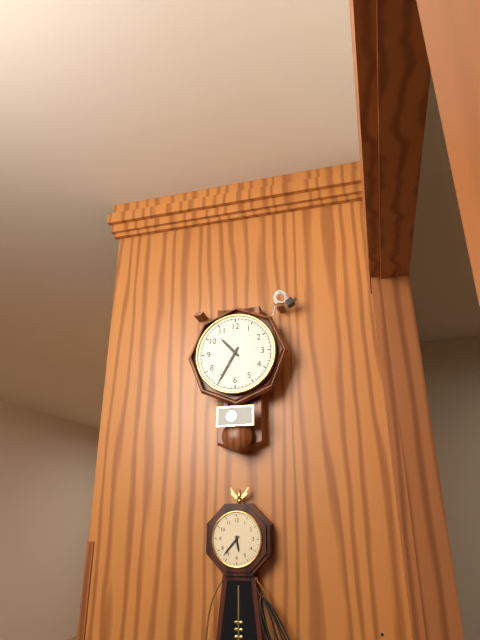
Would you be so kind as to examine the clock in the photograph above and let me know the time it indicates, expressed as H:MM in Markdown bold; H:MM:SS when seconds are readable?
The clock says **10:35**
